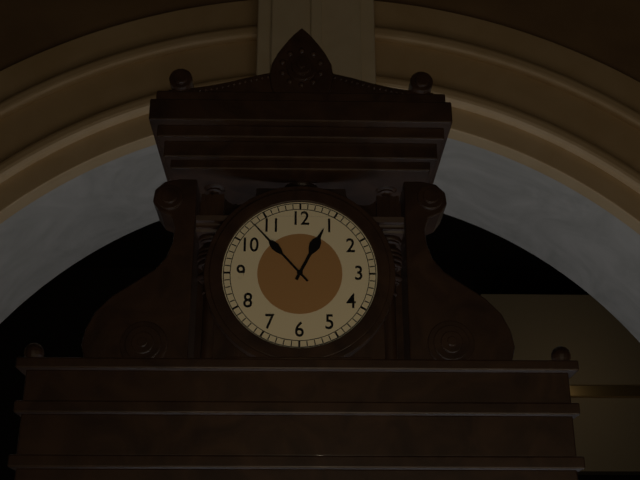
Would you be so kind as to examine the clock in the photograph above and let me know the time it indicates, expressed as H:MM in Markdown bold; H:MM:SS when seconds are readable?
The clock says **12:53**
